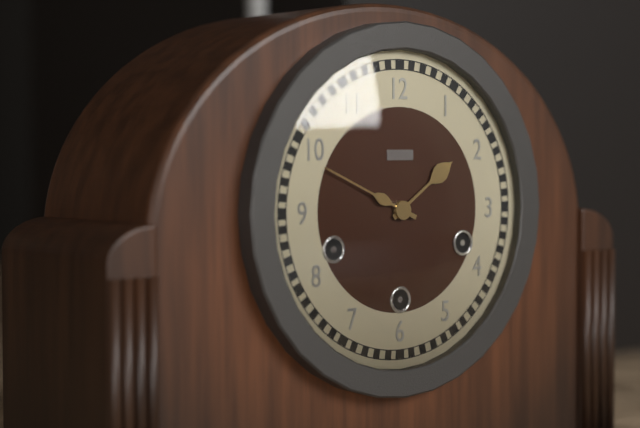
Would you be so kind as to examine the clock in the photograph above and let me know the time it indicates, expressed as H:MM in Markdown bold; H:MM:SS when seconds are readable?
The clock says **1:49**
